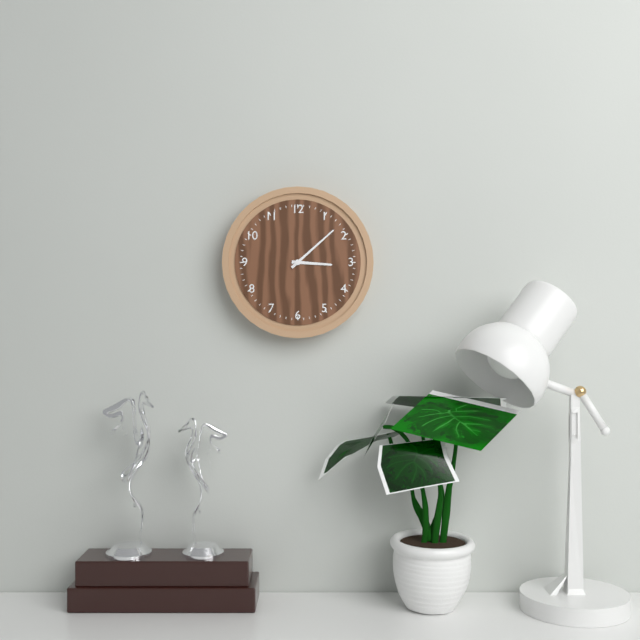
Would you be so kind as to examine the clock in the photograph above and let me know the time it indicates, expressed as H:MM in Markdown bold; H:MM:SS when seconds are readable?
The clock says **3:08**
